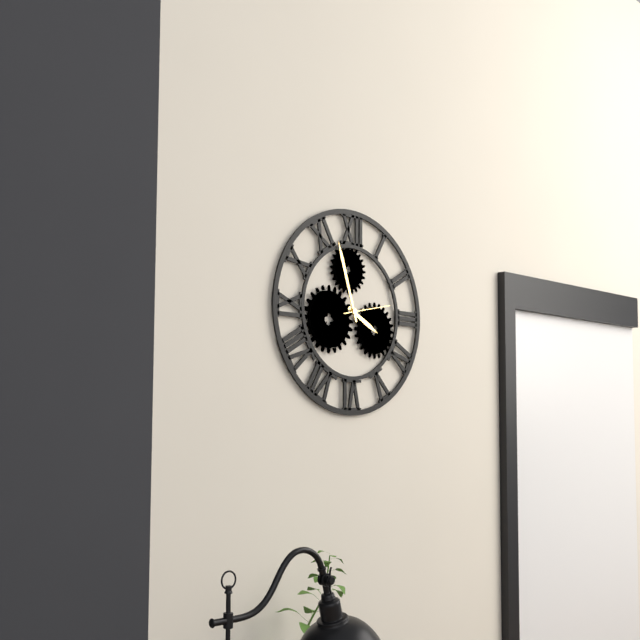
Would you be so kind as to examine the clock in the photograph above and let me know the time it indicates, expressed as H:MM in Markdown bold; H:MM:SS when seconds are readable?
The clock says **3:57**
